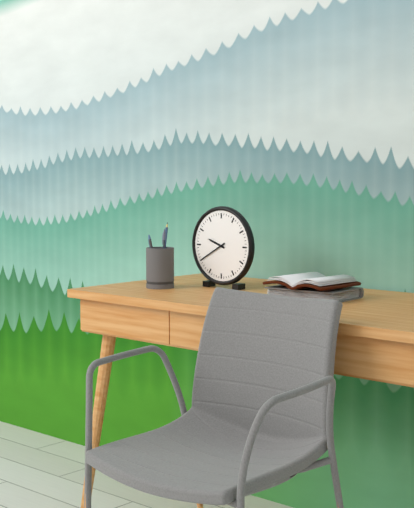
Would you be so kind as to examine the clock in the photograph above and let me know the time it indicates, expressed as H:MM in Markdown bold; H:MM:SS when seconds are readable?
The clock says **9:40**
